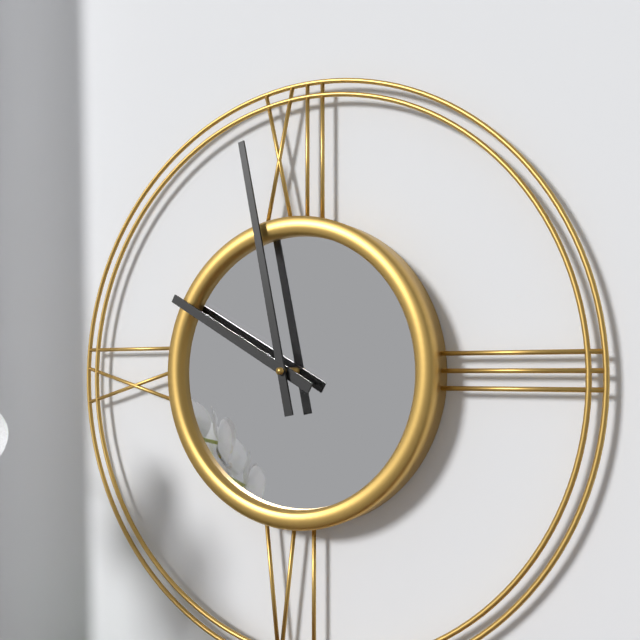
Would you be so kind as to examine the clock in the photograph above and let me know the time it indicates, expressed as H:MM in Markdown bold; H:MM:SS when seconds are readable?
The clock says **9:58**
